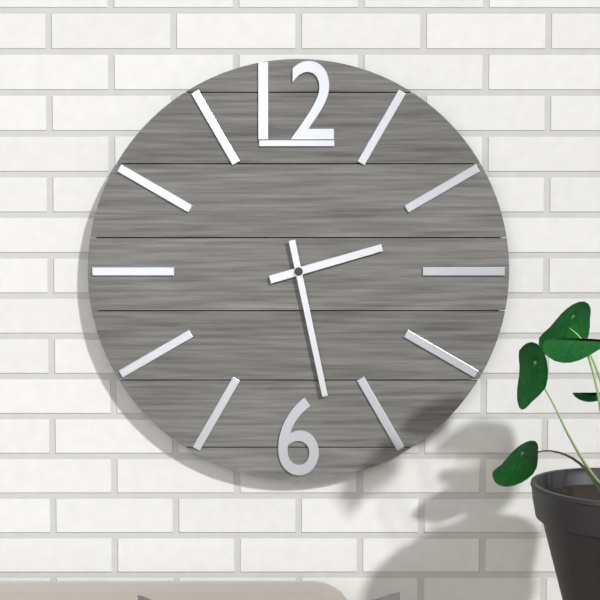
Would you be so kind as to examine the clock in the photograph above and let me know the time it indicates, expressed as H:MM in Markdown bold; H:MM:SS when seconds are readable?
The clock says **2:28**
